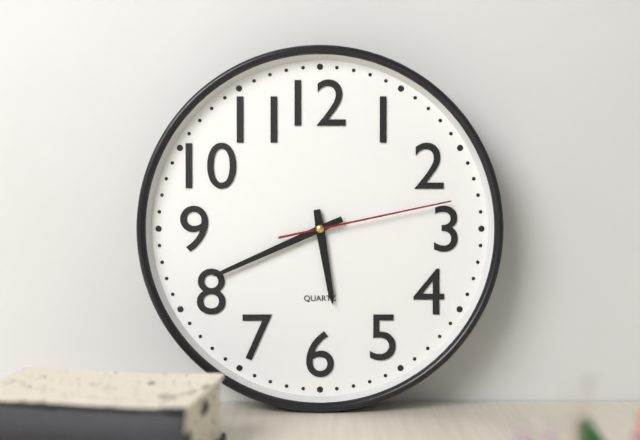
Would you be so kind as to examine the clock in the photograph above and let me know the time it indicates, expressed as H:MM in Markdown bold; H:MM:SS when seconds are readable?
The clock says **5:41:13**
